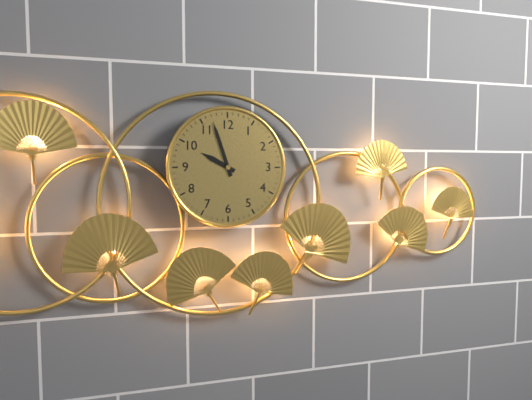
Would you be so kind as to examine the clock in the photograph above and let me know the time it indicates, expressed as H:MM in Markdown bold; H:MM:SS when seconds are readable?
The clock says **9:57**
